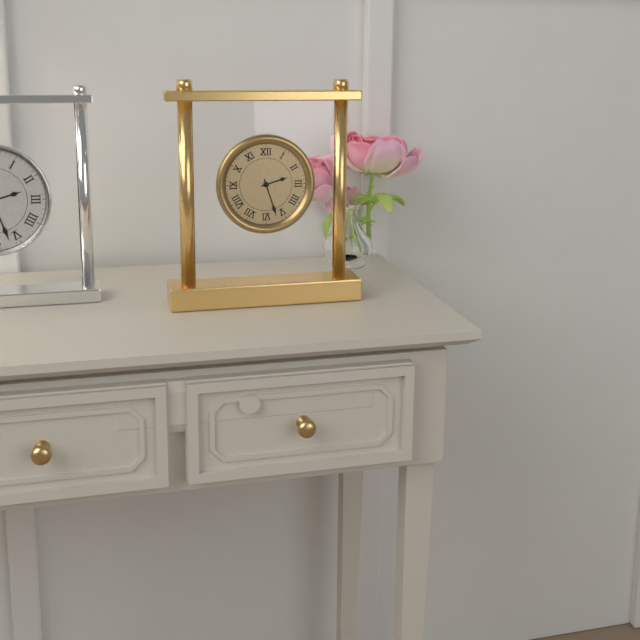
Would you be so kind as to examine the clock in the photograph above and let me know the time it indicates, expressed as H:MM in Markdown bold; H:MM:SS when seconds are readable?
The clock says **2:27**
